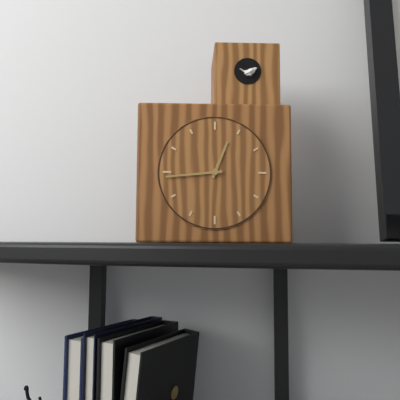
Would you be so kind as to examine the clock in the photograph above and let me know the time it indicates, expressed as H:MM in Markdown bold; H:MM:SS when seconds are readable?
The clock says **12:44**
